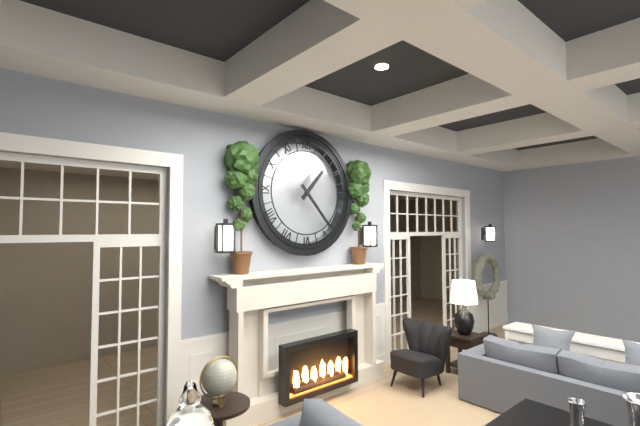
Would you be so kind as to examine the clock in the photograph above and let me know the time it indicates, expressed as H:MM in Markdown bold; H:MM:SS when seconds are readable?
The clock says **1:23**
